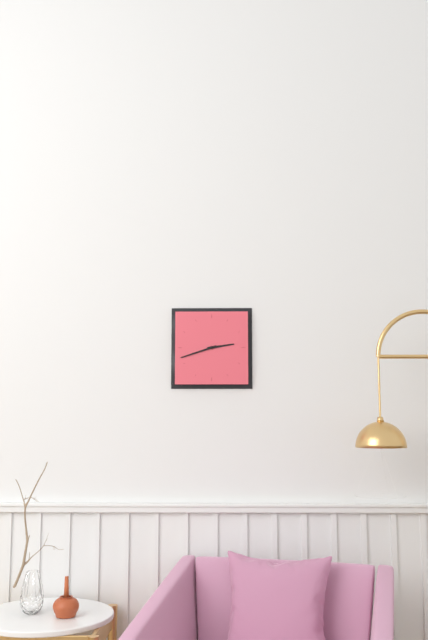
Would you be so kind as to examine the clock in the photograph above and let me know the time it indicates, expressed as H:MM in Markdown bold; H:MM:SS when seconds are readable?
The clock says **2:42**
